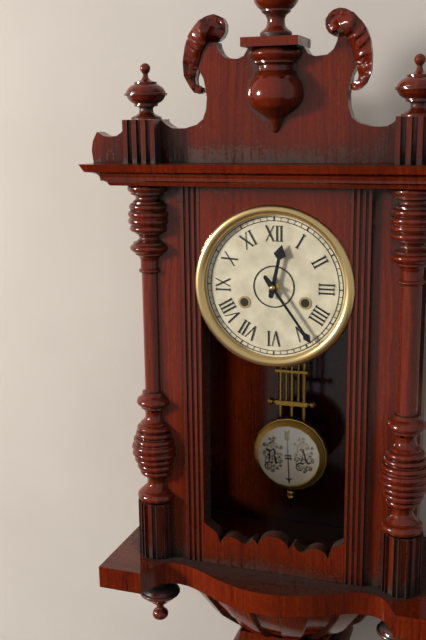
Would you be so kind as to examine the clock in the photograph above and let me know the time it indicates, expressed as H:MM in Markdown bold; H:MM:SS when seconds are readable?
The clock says **12:24**
